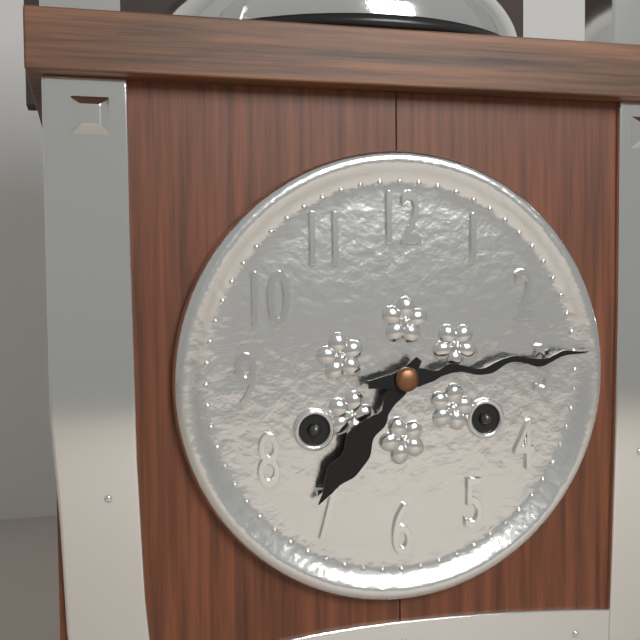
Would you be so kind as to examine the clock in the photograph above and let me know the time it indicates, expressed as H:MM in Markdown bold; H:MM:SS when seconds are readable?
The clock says **7:14**
